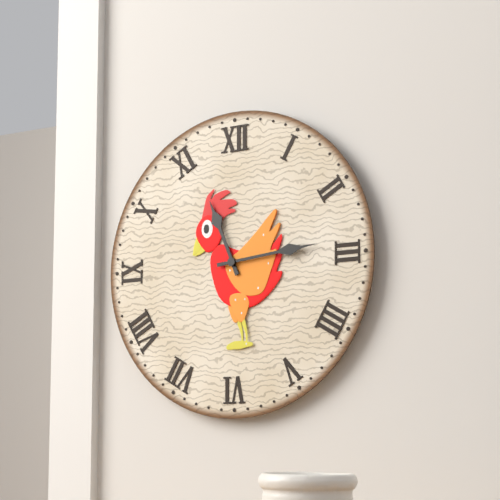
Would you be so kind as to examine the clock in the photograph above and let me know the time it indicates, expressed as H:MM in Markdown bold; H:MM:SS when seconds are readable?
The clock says **11:14**
